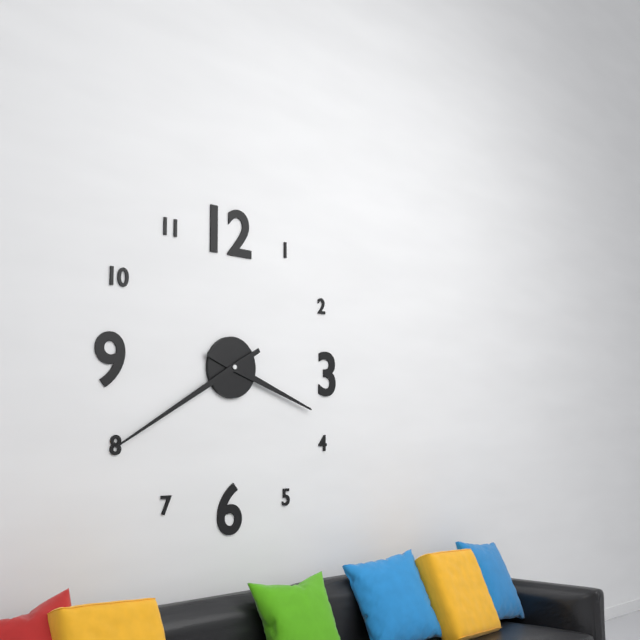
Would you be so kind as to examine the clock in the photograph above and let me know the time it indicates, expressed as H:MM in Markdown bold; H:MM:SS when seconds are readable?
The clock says **3:40**
